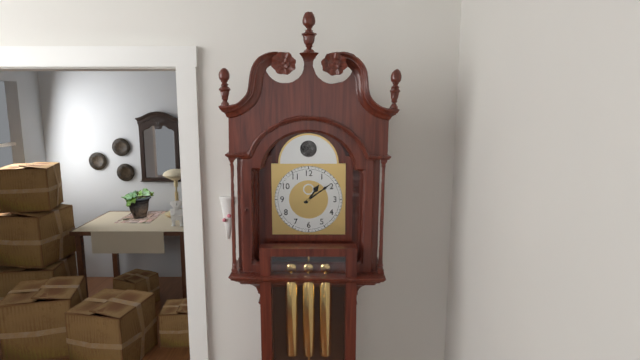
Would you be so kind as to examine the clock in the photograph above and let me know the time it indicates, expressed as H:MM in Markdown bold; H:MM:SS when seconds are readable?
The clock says **1:09**
